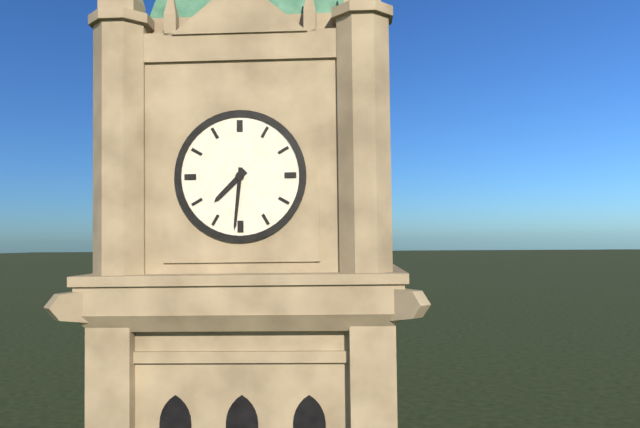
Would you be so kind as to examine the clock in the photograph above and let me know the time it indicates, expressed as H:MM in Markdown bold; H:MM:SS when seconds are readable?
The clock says **7:31**
